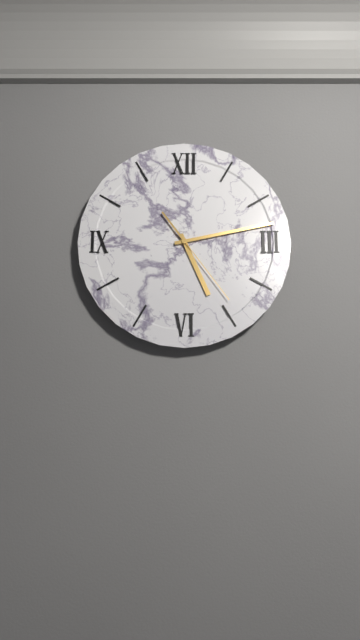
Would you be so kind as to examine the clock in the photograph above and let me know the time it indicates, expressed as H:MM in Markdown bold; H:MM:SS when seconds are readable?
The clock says **5:13:24**
